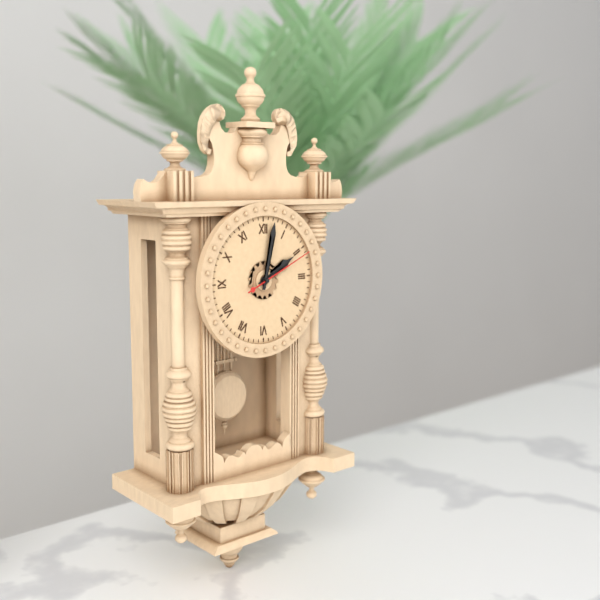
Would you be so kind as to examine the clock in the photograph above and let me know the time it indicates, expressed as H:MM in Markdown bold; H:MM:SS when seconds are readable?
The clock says **2:02:11**
